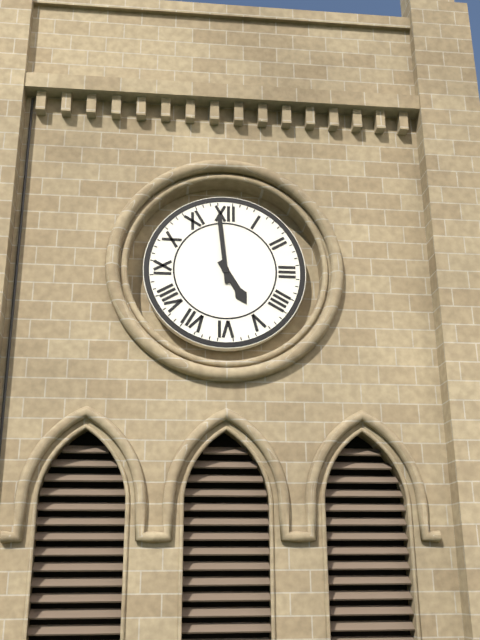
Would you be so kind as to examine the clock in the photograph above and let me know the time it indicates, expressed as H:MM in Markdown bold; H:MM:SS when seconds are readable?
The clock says **4:59**
